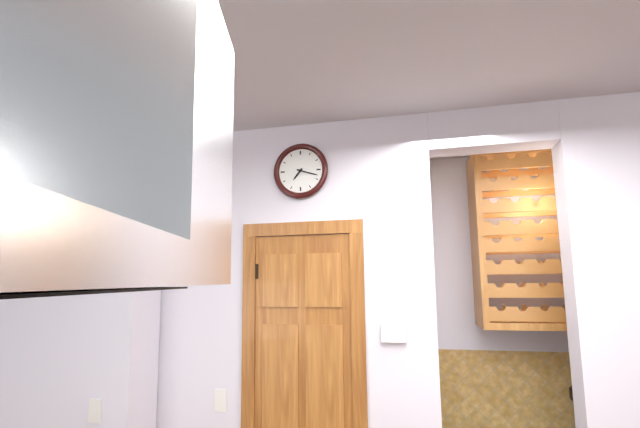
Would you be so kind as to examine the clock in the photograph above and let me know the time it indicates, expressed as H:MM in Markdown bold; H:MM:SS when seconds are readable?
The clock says **7:18**
